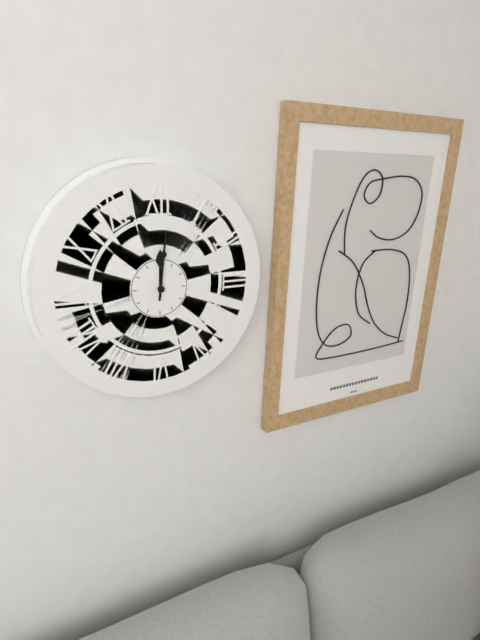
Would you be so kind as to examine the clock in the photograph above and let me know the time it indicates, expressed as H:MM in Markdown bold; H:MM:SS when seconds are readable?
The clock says **12:01**
